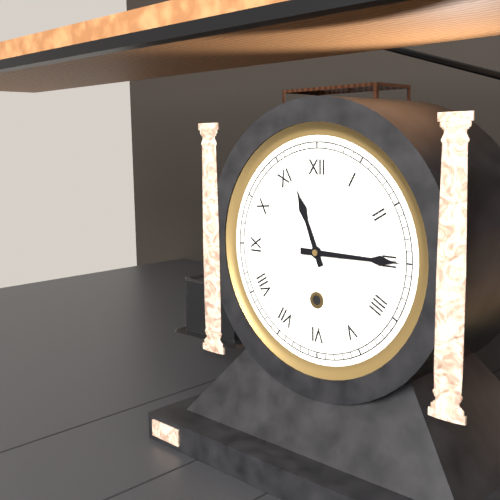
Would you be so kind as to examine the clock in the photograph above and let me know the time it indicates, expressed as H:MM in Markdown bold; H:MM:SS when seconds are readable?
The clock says **11:15**
